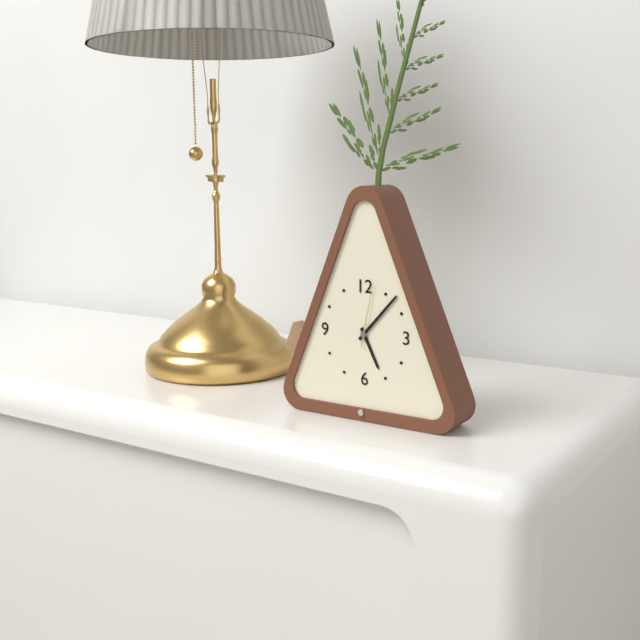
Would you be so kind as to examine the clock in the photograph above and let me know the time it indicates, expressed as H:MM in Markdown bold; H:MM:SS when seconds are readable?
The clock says **5:07:02**
